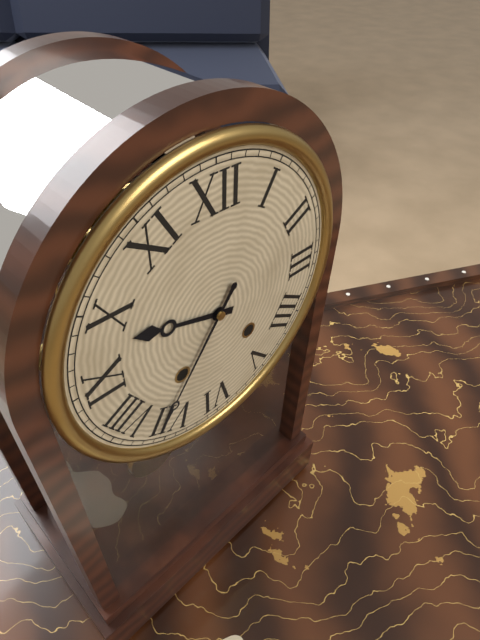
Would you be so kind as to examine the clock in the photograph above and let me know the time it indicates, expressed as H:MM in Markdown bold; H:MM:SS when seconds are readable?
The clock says **9:36**
